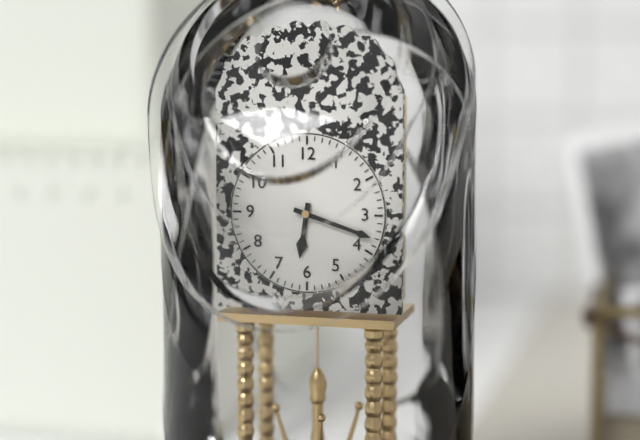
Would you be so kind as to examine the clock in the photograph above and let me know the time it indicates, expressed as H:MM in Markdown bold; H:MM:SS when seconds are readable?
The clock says **6:18**
